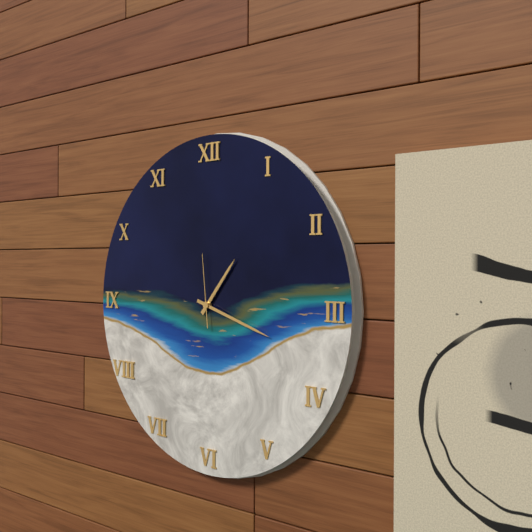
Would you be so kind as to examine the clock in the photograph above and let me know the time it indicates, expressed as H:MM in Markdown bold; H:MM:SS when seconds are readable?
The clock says **1:18:59**
